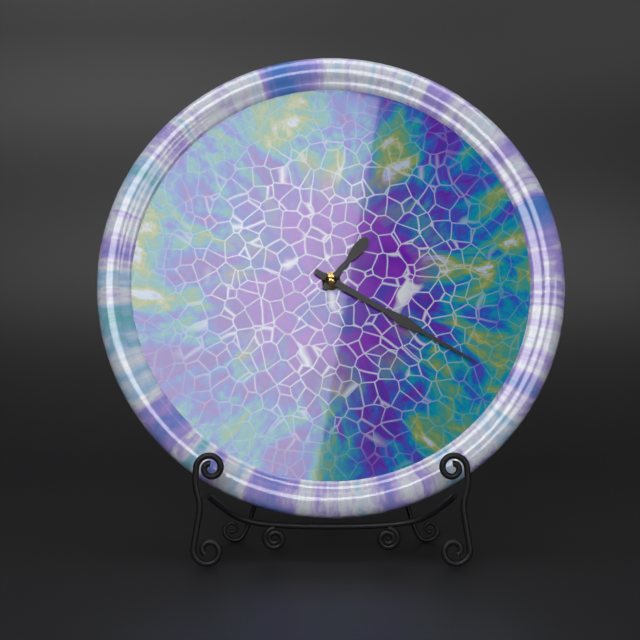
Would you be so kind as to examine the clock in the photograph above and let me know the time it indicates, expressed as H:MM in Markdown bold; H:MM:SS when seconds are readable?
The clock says **1:20**
